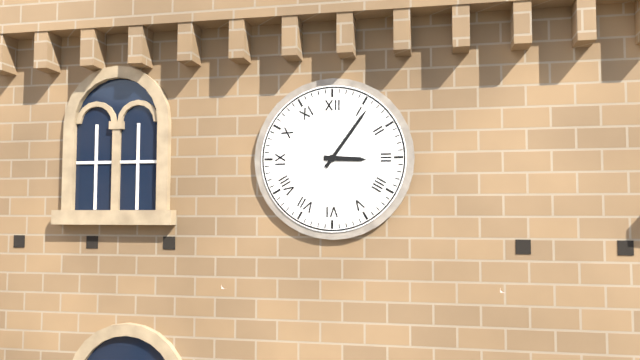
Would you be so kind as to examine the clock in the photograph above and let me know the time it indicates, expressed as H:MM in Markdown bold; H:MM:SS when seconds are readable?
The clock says **3:06**
